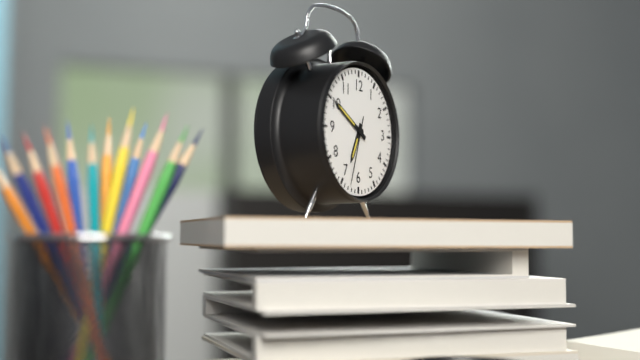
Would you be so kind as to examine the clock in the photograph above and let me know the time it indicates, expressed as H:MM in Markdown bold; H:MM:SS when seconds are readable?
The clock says **6:50:33**
